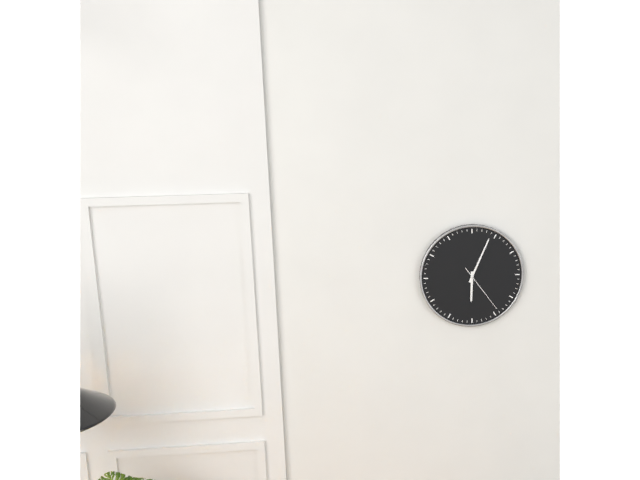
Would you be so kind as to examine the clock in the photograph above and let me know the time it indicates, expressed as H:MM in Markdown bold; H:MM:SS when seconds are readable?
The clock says **6:04:24**
